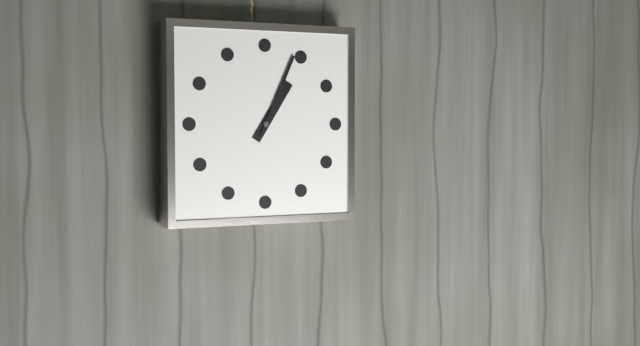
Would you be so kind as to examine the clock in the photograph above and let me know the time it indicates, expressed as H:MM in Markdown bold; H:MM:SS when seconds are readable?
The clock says **1:04**
